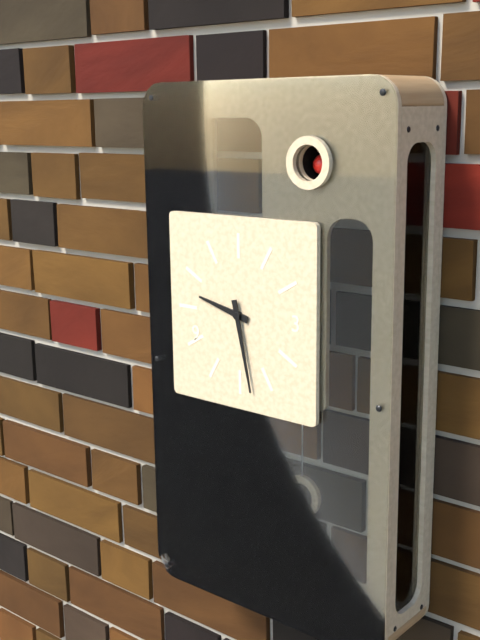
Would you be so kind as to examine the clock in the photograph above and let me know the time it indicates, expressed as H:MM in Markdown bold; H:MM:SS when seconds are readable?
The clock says **9:28**
